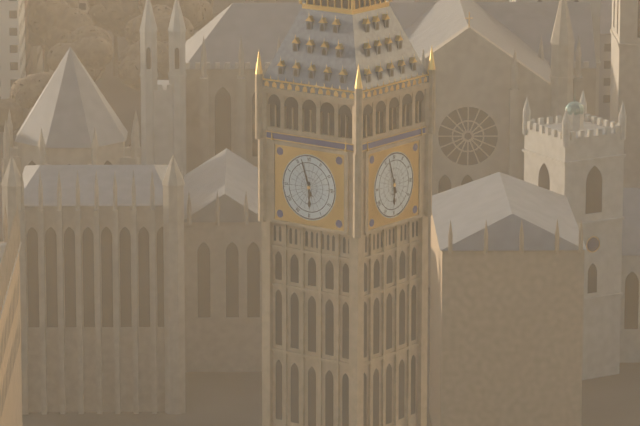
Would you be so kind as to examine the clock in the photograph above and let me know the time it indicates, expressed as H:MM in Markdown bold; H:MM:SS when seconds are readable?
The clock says **5:57**
